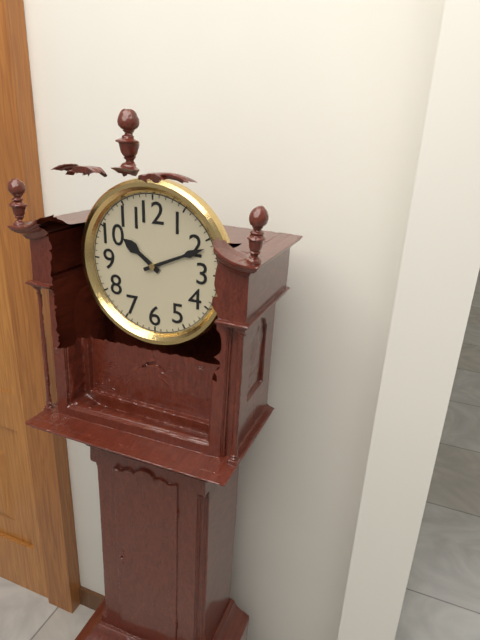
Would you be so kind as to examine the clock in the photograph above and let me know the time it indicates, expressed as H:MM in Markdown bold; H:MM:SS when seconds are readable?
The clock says **10:11**
